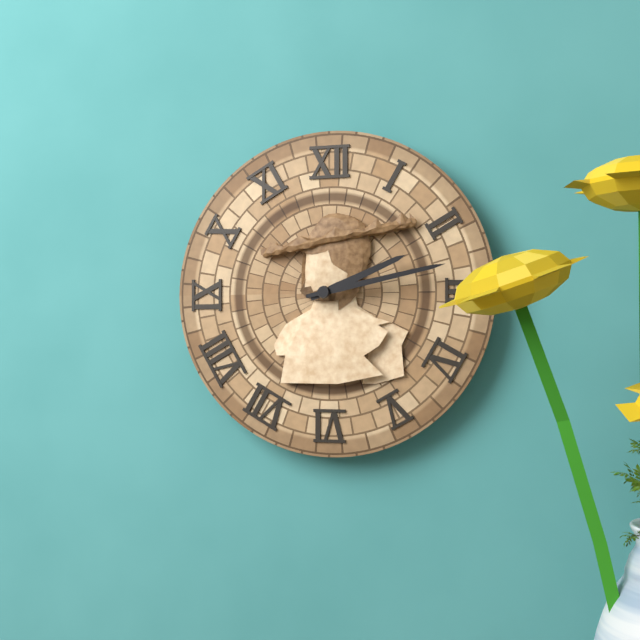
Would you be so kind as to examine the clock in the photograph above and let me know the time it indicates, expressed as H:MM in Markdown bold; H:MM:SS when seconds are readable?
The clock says **2:13**
